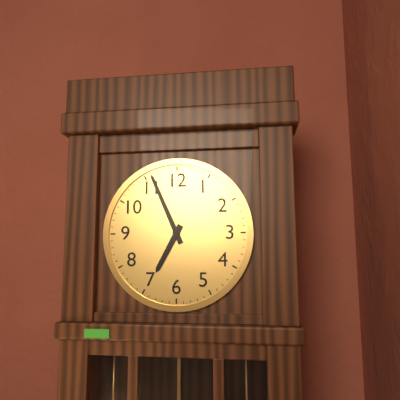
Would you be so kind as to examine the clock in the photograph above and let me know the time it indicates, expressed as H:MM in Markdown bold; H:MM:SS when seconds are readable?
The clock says **6:56**
